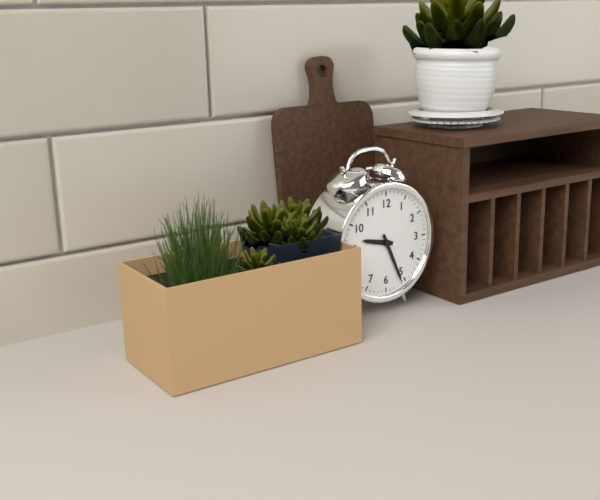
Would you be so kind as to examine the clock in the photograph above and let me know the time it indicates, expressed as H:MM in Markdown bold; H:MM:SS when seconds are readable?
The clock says **9:26**
